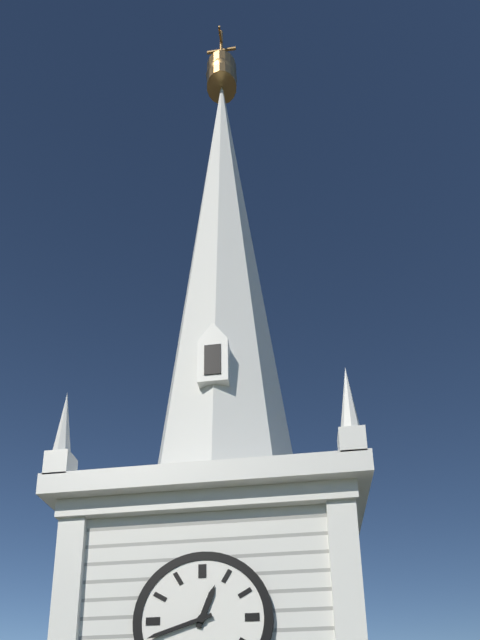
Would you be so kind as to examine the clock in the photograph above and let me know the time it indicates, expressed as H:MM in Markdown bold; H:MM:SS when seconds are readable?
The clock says **12:42**
